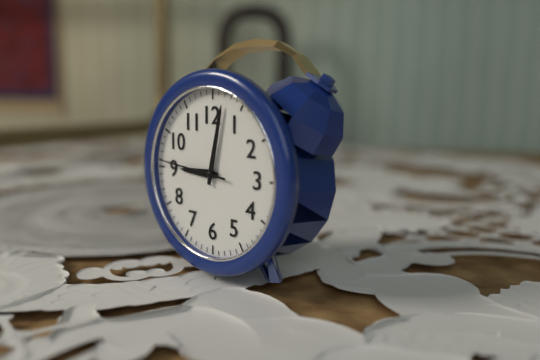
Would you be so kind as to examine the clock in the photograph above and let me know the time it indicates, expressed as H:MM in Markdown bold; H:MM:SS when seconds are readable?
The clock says **9:02:46**
